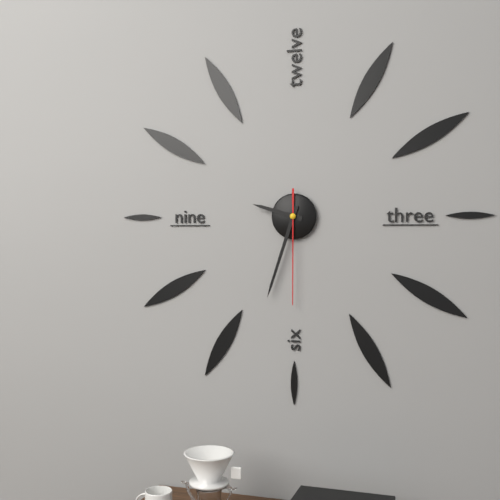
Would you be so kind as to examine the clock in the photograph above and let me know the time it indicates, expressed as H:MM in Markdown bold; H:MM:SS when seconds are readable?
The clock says **9:33:30**
